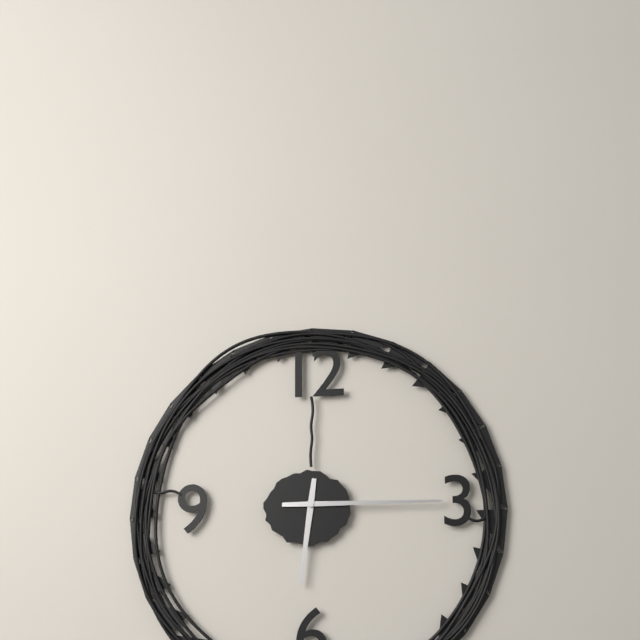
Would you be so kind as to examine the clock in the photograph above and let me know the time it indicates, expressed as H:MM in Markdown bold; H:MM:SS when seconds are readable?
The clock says **6:15**
